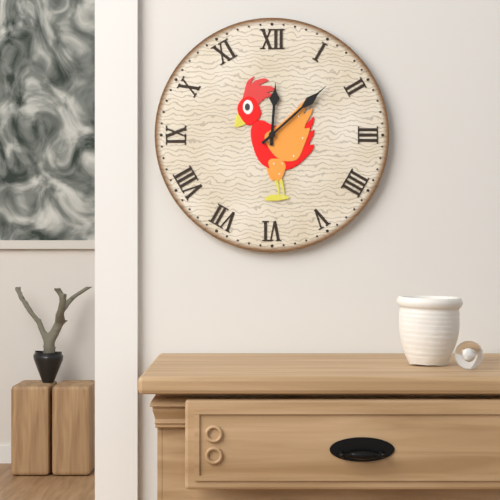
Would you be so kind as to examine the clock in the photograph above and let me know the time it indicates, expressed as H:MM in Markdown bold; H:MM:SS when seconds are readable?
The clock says **12:08**
